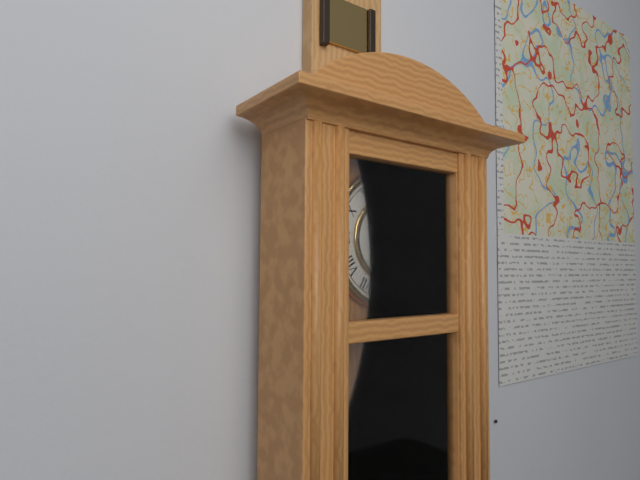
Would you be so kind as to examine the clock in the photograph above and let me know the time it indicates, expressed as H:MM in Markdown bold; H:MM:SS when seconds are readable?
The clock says **1:06**
